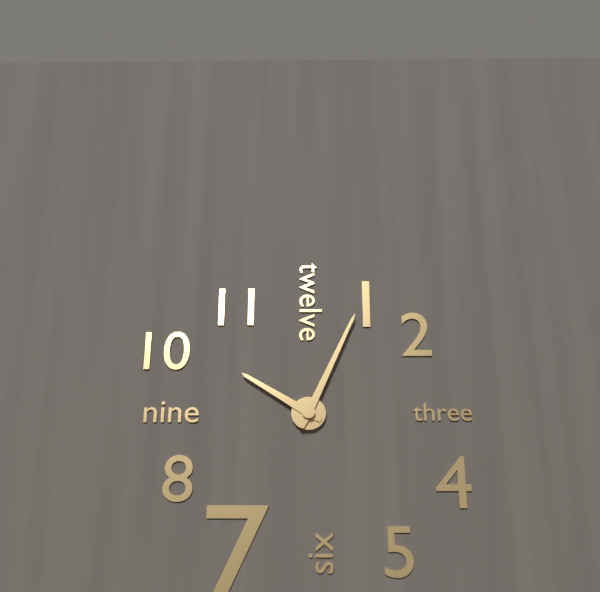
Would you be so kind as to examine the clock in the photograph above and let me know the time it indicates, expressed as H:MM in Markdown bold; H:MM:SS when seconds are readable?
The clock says **10:04**
